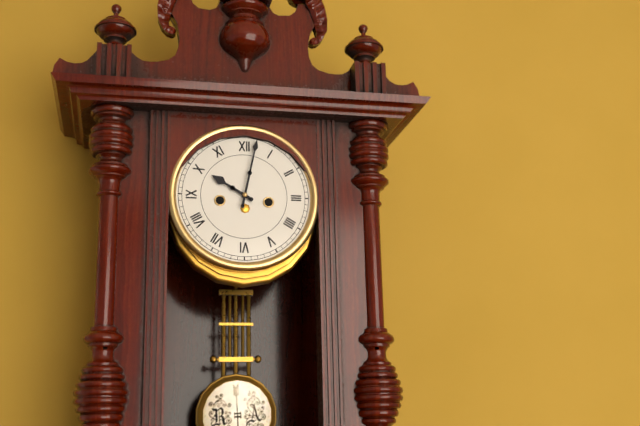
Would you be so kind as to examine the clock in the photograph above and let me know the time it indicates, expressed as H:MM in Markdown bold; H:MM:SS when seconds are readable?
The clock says **10:02**
